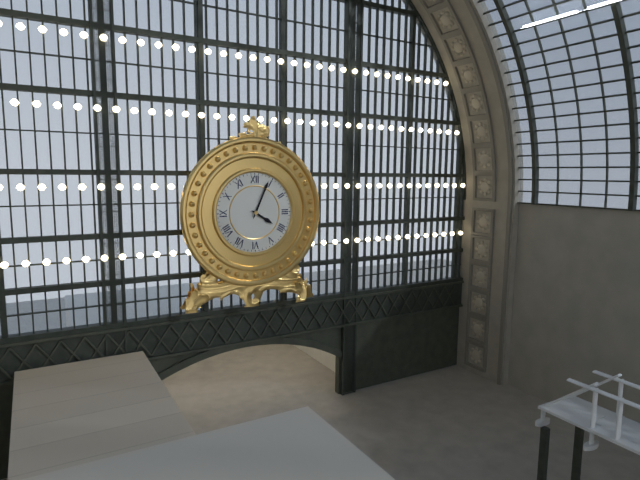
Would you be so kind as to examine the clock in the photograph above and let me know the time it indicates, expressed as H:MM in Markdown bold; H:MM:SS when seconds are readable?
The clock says **4:04**
